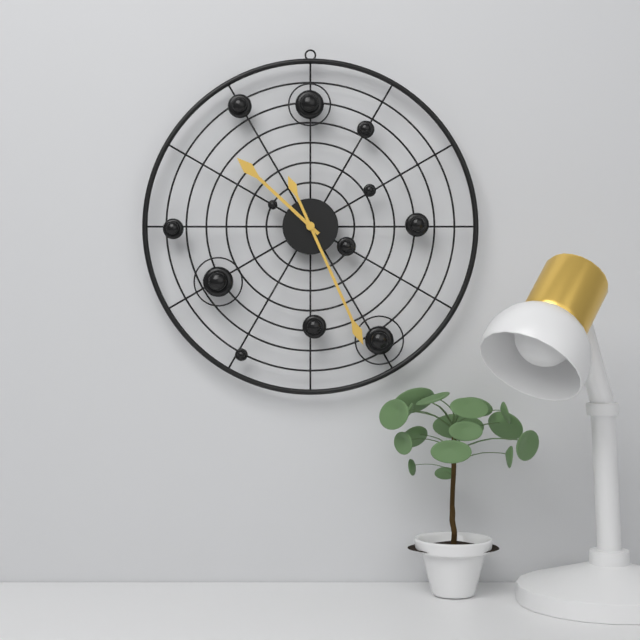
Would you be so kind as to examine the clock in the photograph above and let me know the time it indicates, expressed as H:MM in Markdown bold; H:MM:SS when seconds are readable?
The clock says **10:26**
